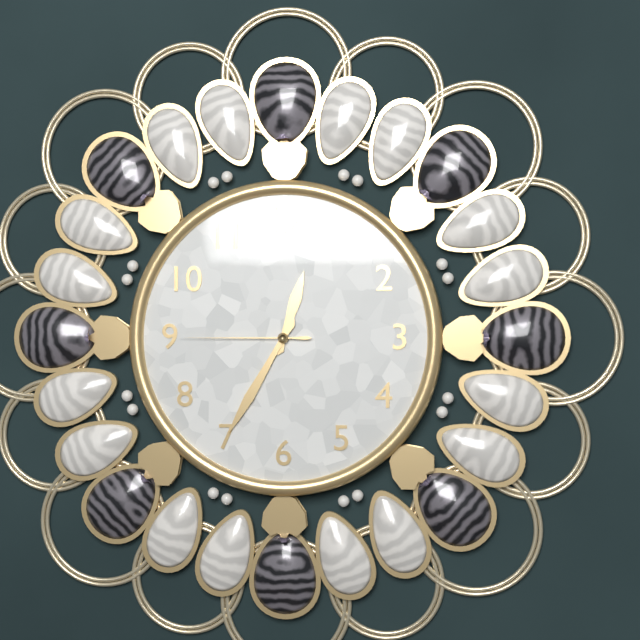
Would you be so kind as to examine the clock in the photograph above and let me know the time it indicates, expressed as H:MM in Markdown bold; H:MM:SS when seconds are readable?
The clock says **12:35:45**
